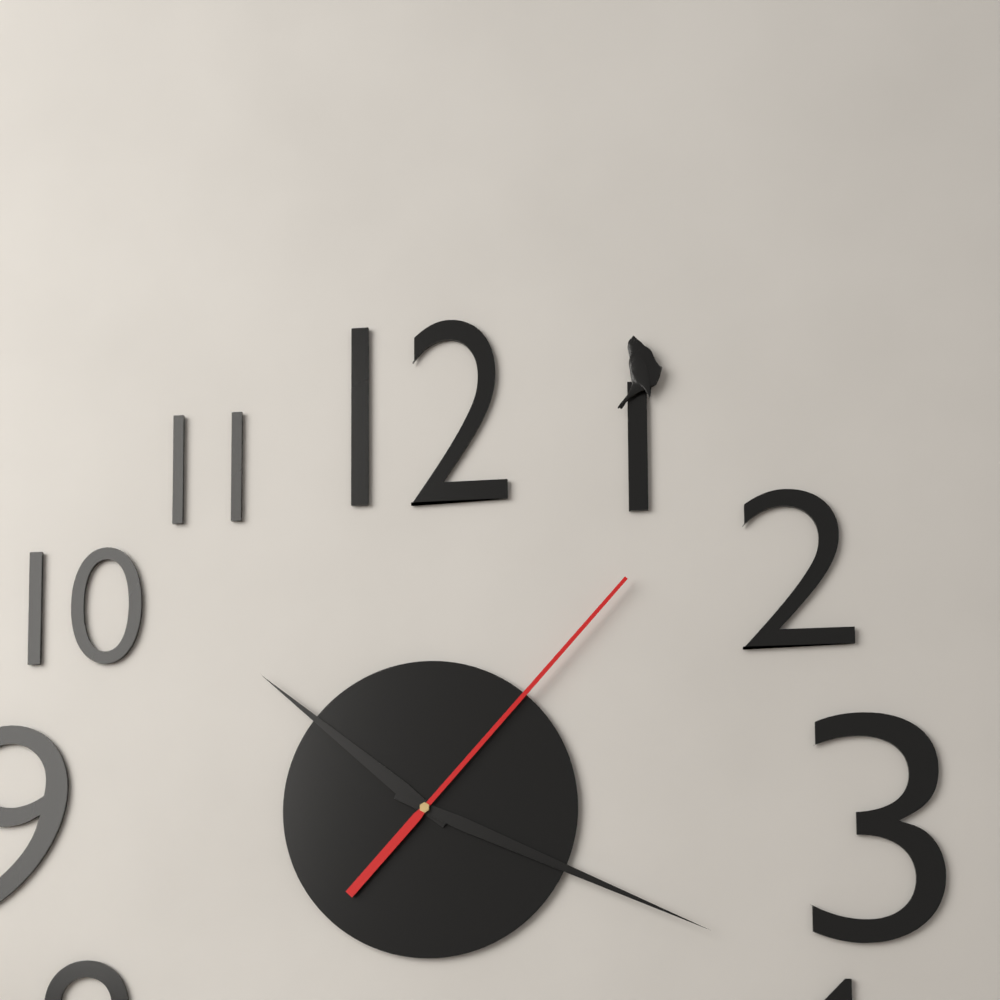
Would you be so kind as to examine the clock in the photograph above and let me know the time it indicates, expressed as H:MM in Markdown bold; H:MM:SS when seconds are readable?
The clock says **10:19:07**
